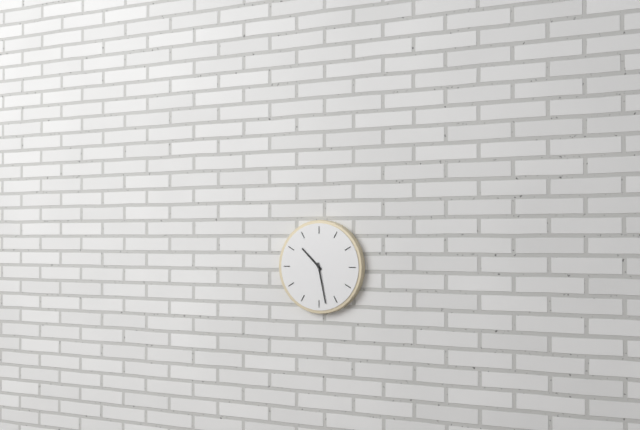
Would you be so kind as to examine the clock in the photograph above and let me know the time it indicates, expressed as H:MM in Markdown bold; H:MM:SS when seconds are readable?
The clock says **10:28**
